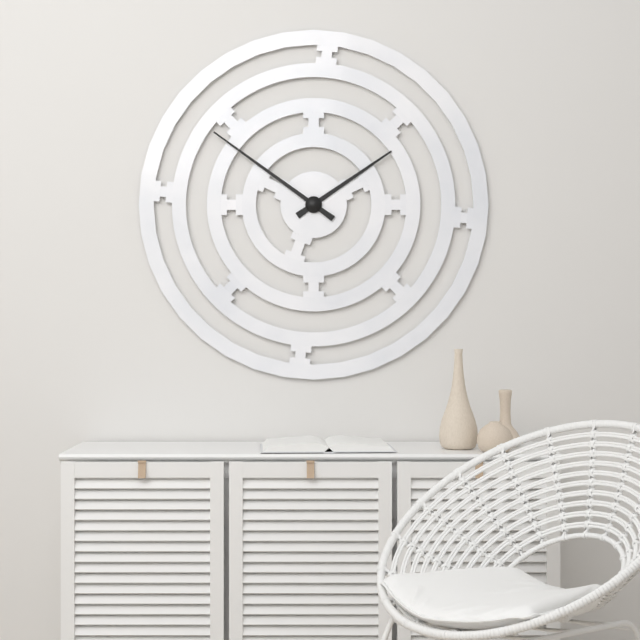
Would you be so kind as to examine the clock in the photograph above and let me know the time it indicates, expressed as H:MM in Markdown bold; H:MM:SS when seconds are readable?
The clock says **1:51**
